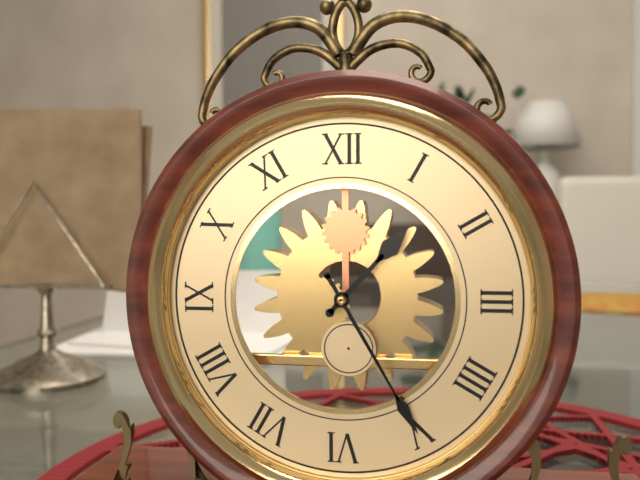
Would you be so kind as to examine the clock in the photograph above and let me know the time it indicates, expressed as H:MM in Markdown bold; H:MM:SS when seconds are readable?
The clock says **1:25**
